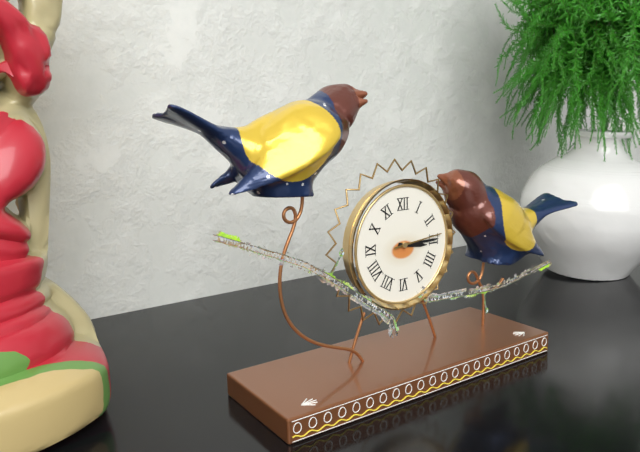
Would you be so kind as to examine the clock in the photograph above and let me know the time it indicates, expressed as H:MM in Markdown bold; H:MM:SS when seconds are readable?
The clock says **3:15:14**
